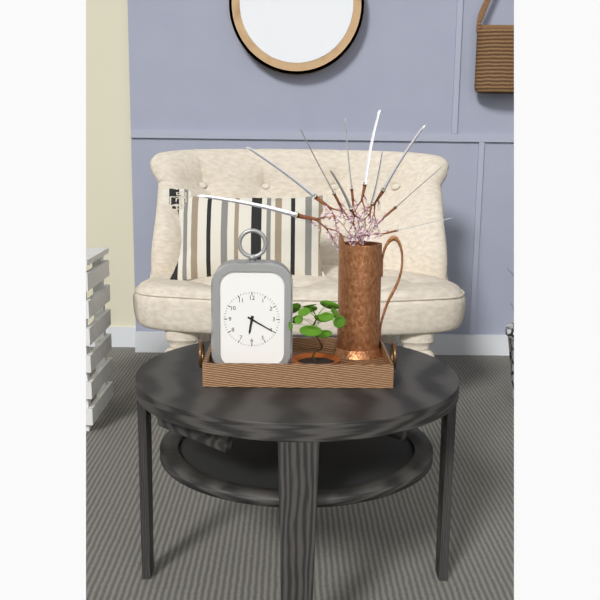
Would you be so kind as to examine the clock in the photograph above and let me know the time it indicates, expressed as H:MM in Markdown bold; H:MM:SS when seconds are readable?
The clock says **6:20**
